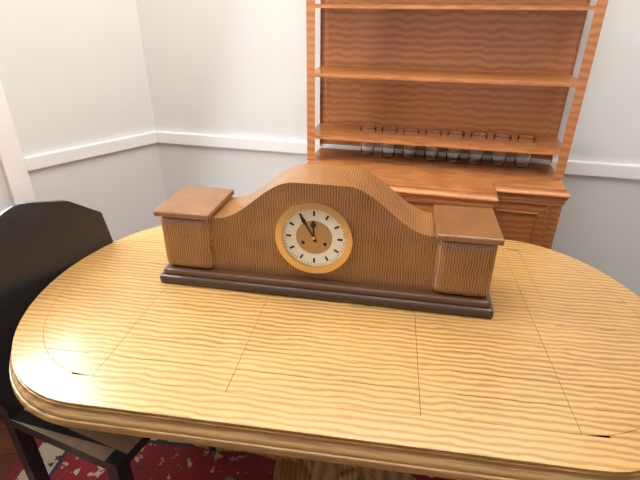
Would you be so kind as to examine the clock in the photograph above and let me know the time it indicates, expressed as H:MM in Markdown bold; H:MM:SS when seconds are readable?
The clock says **11:55**
